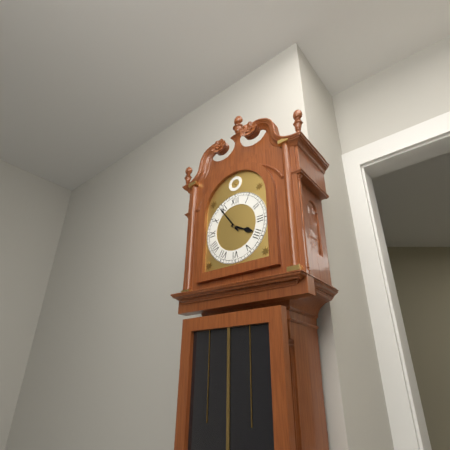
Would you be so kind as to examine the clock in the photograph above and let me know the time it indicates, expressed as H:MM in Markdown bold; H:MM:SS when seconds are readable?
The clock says **3:54**
